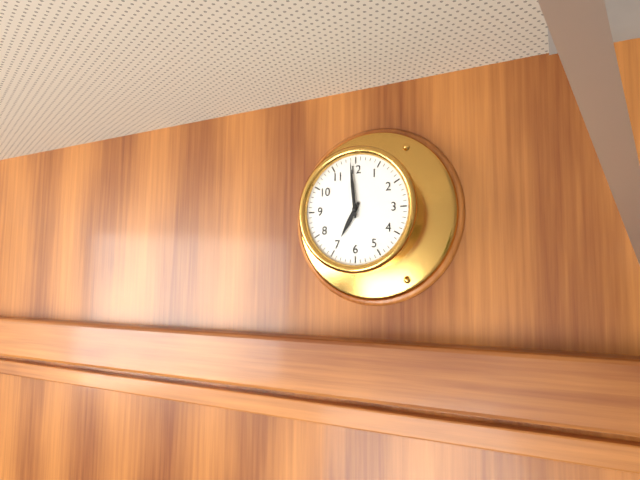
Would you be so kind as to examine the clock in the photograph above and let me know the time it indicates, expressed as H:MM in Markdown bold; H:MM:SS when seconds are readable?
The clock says **6:59**
